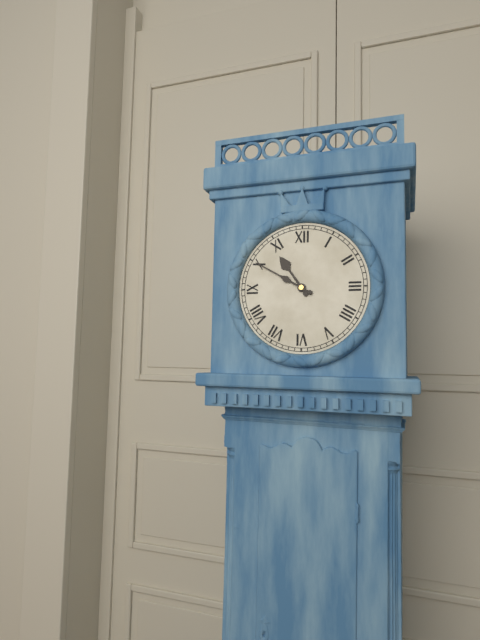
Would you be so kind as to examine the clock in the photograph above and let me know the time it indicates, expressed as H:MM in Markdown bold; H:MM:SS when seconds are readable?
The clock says **10:50**
